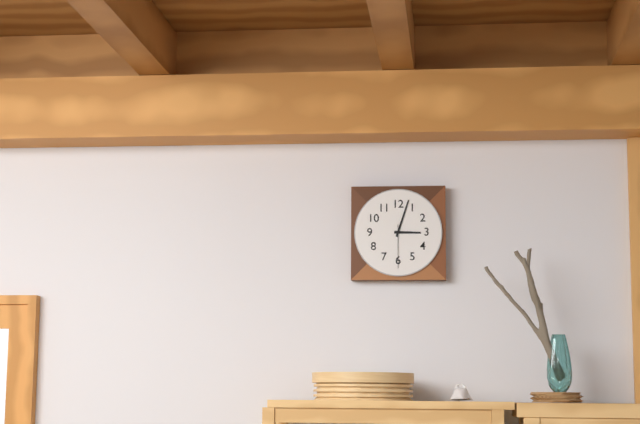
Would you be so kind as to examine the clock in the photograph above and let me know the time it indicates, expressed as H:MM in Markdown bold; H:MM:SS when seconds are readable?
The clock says **3:03**
